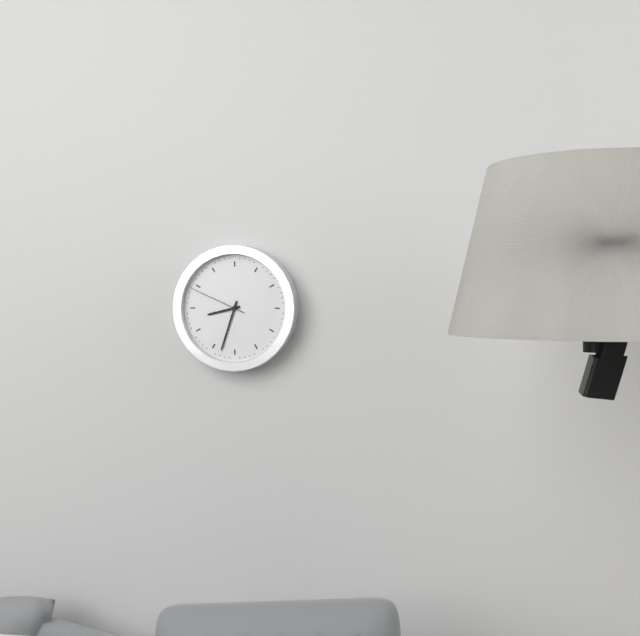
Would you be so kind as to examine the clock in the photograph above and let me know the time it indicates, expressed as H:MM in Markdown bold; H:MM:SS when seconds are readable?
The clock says **8:33:49**
